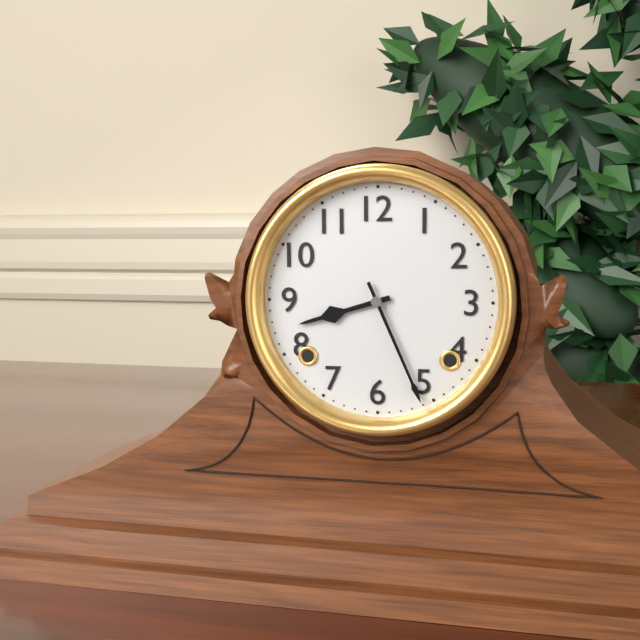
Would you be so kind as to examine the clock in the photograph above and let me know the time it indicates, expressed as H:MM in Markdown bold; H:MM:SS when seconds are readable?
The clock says **8:26**
